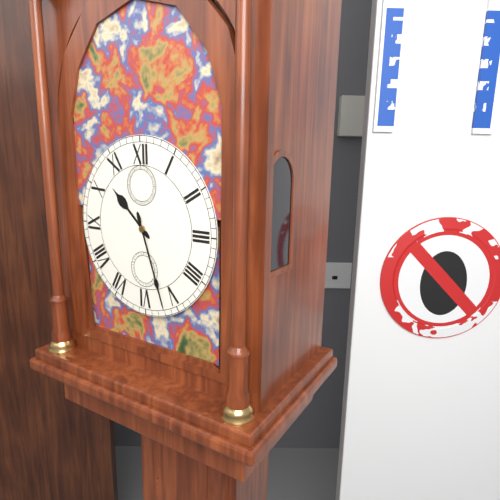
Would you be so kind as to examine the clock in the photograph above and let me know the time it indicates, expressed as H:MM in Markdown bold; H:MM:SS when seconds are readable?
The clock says **10:27**
